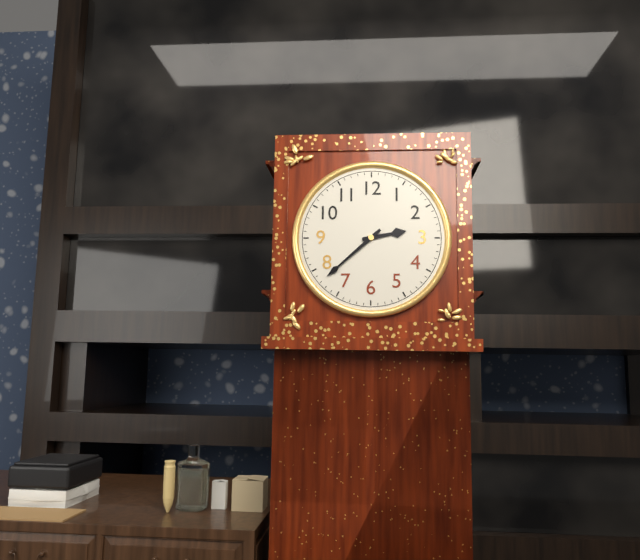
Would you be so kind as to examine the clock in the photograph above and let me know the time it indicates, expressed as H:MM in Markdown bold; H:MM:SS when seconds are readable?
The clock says **2:38**
